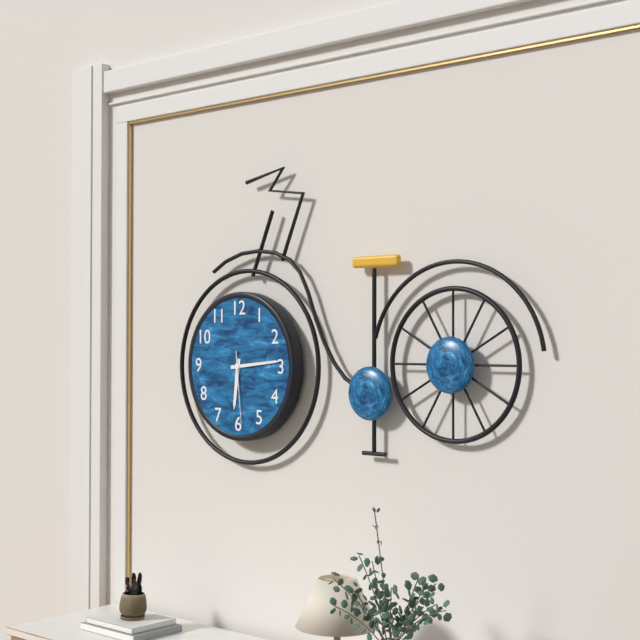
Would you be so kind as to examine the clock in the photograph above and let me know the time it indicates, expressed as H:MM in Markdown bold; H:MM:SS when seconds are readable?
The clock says **6:14:29**
